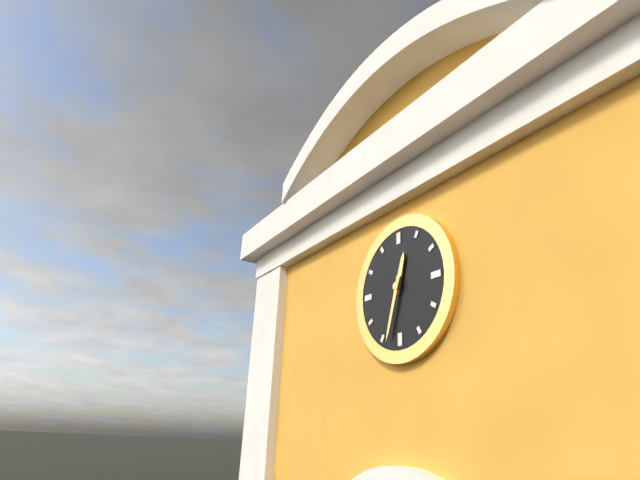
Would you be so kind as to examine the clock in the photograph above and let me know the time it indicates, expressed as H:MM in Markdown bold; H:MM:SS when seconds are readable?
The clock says **12:33**
